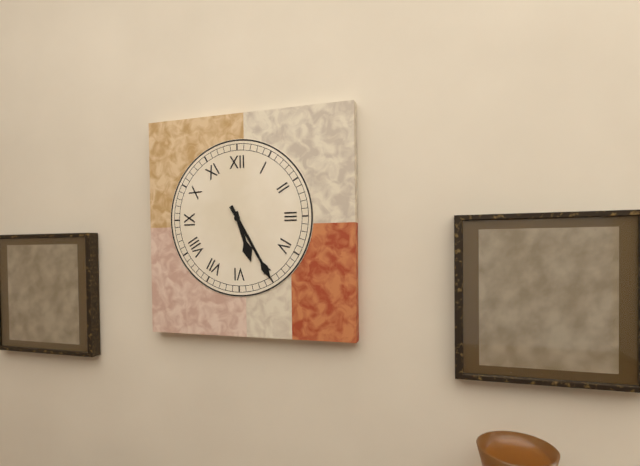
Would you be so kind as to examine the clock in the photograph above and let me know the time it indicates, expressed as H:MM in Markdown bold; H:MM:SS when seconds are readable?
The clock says **5:25**
